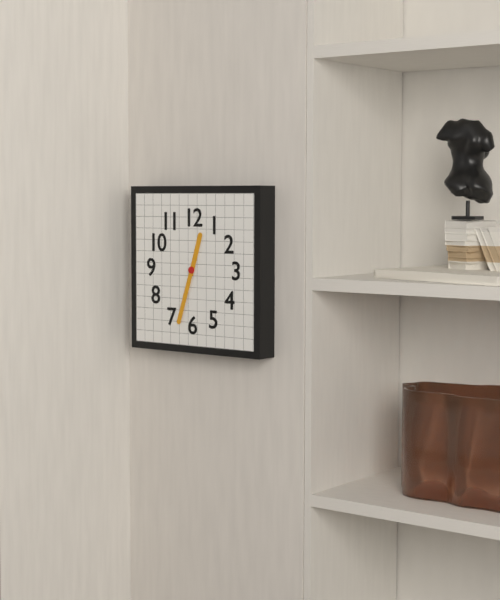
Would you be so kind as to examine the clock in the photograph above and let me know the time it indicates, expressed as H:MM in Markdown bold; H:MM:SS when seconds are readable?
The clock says **12:33**
